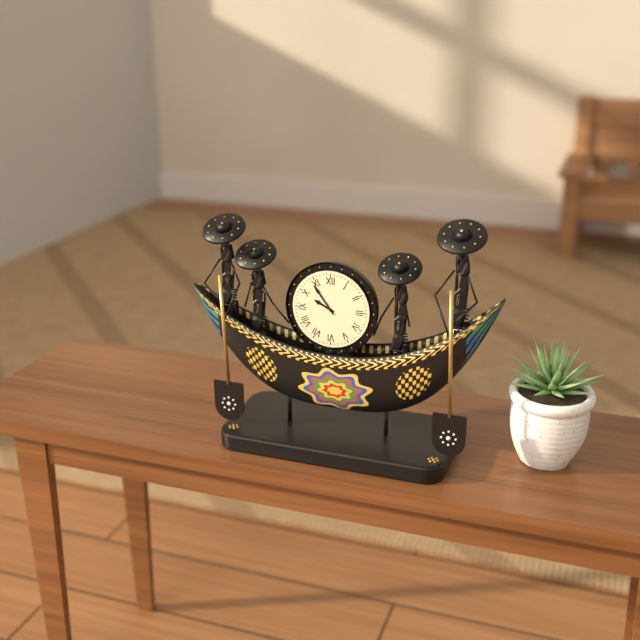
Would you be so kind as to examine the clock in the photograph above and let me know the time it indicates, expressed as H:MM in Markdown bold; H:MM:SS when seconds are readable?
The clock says **9:54**
